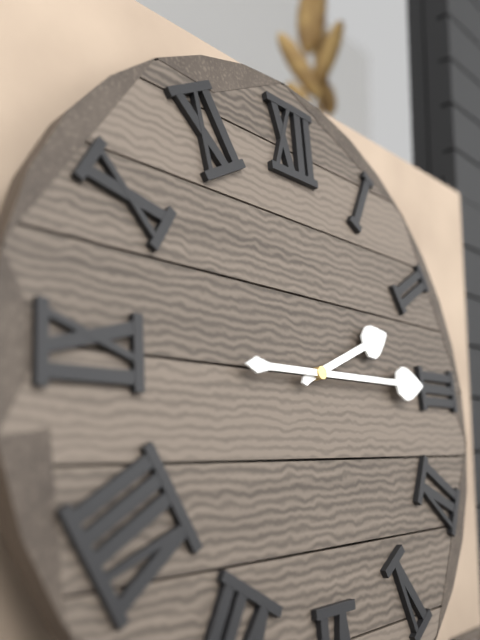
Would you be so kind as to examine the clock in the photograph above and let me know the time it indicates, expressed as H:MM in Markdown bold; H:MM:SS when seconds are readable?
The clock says **2:15**
